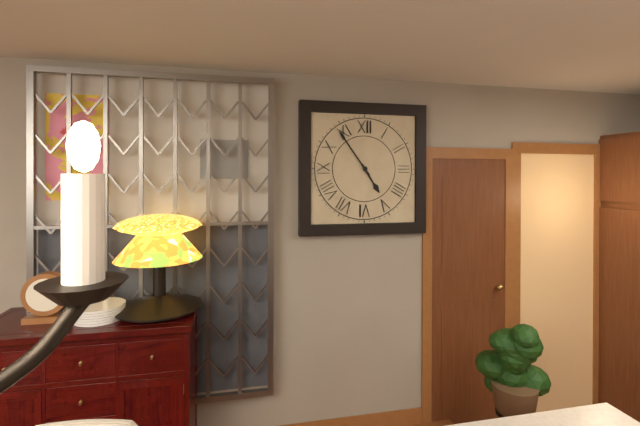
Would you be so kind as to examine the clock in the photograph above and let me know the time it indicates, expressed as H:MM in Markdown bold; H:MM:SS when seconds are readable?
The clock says **4:54**
